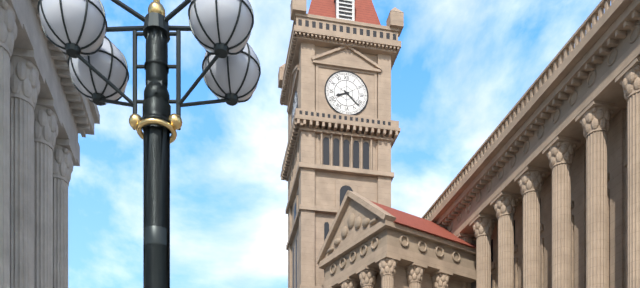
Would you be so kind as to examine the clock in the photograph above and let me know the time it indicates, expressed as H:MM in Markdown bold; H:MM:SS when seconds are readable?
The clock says **8:22**
